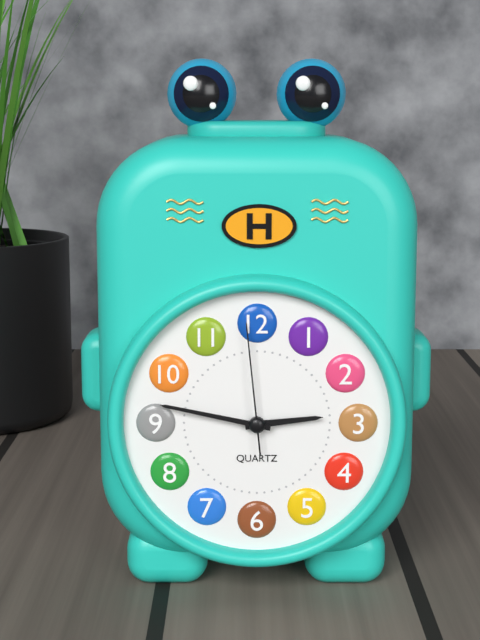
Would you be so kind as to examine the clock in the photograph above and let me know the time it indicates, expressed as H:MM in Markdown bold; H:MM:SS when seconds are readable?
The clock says **2:47:59**
